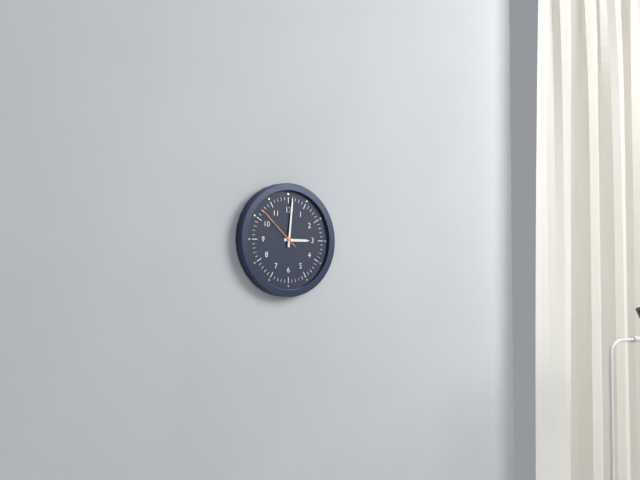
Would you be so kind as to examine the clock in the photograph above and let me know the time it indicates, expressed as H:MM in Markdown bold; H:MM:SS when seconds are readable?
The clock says **3:01:52**
